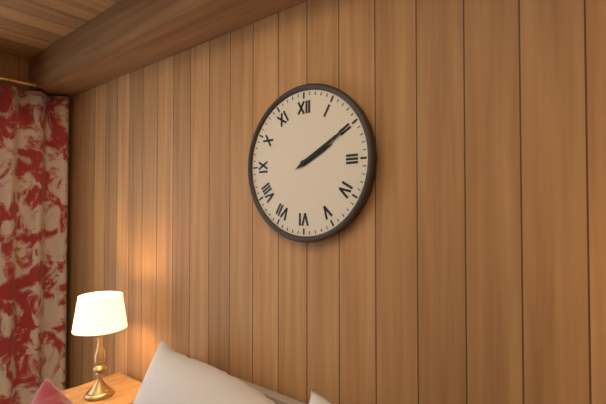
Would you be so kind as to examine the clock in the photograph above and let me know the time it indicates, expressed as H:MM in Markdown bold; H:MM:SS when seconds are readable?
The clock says **2:10**
